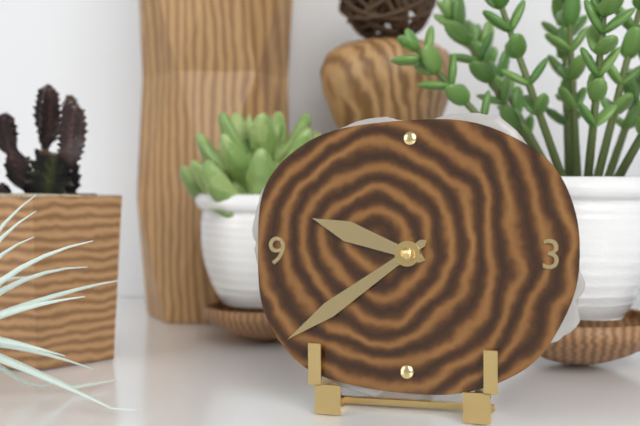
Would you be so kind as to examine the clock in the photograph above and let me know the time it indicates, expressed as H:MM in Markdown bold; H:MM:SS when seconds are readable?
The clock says **9:39**
